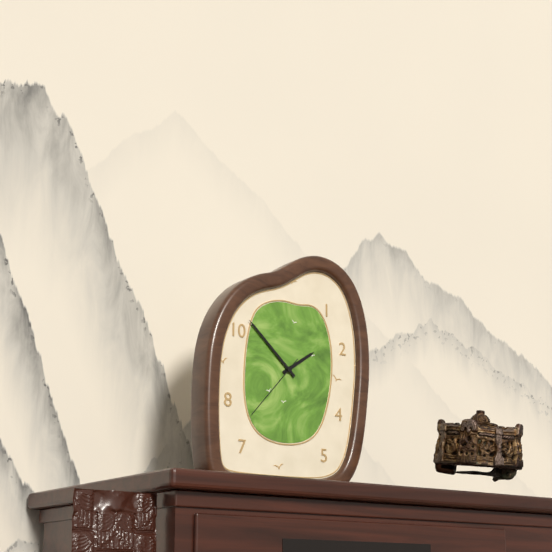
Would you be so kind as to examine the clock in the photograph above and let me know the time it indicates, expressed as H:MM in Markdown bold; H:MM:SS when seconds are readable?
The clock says **1:52:37**
